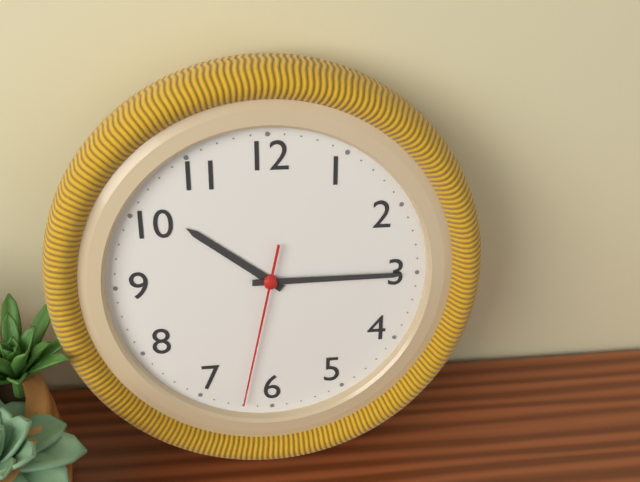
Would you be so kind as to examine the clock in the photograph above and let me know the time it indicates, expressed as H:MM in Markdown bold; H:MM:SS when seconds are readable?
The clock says **10:15:32**
